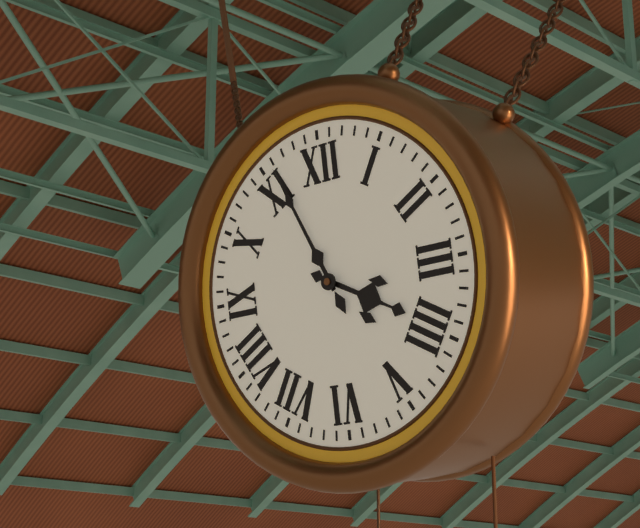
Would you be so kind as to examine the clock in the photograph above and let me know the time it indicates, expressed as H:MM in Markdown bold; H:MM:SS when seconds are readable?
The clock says **3:56**
